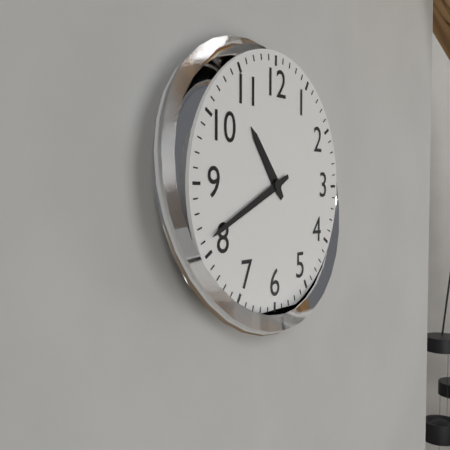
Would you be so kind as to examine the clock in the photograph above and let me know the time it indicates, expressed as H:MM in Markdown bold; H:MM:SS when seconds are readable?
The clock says **10:41**
